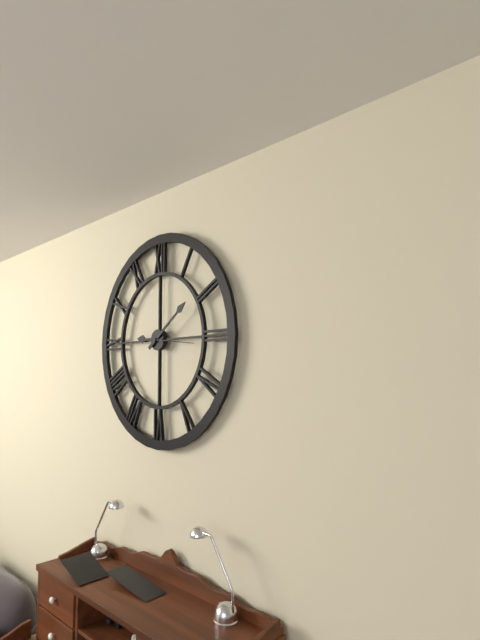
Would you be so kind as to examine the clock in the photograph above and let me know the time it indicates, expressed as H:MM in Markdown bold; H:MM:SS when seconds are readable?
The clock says **9:09**
